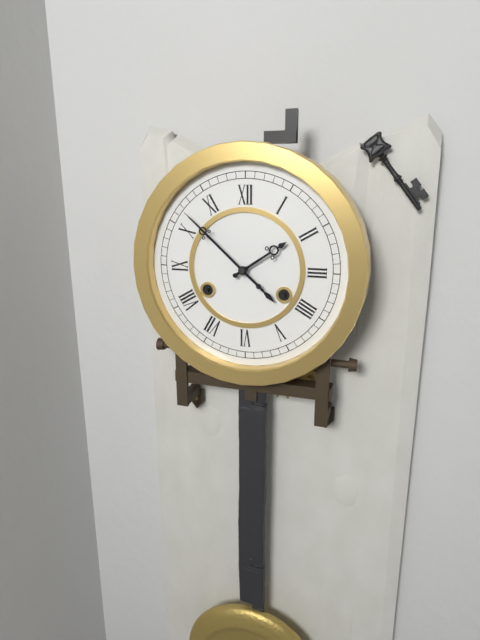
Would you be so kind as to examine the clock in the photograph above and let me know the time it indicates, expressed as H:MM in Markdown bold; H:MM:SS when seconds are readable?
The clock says **1:52**
